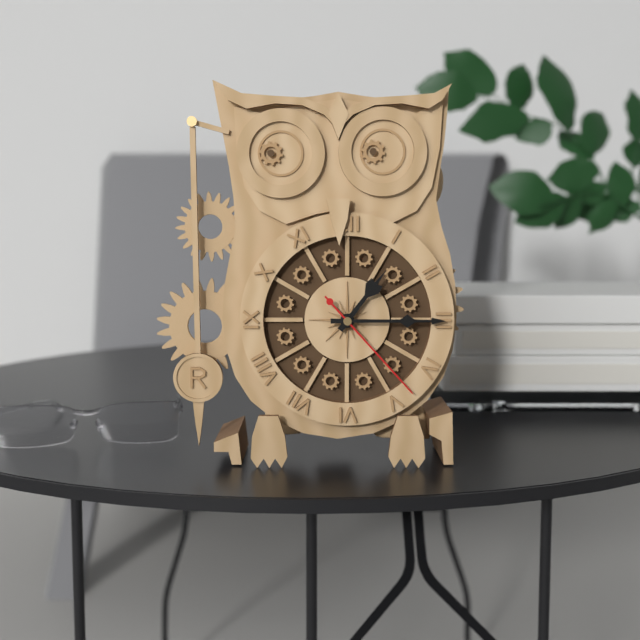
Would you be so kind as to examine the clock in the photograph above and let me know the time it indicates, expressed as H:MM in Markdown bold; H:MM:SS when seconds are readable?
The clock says **1:15:23**
